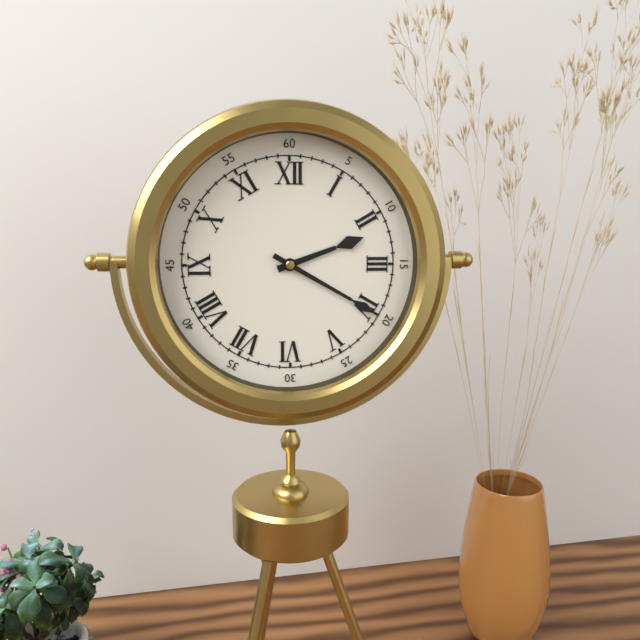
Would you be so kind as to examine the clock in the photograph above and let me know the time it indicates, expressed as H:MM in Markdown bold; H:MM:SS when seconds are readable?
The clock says **2:20**
